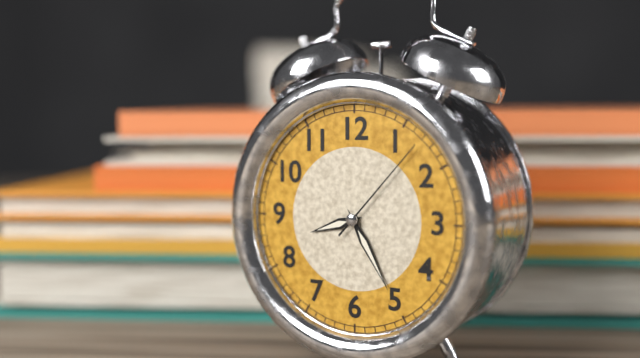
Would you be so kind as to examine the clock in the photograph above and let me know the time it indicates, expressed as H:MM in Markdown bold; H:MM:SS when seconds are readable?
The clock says **8:25:07**
